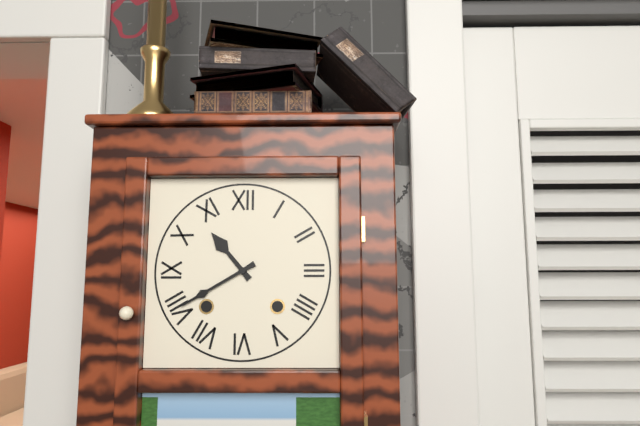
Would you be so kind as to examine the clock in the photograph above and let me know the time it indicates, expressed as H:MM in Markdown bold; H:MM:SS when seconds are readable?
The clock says **10:40**
